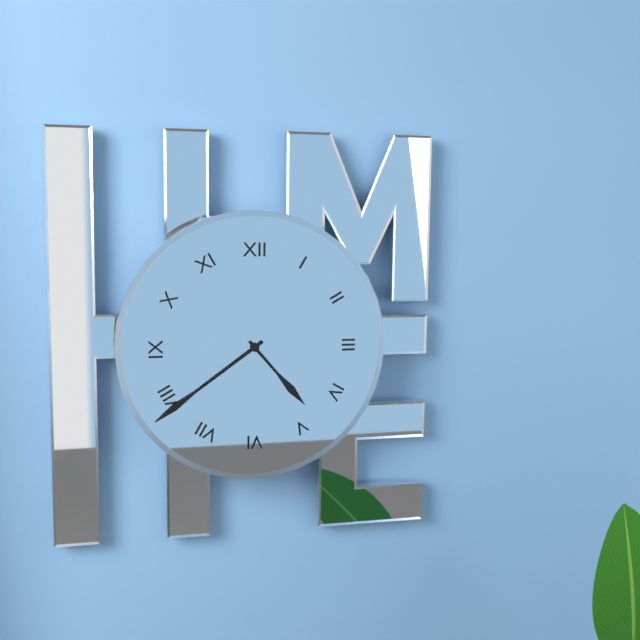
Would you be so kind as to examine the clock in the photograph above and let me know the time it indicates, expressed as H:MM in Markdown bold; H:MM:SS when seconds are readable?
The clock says **4:39**
